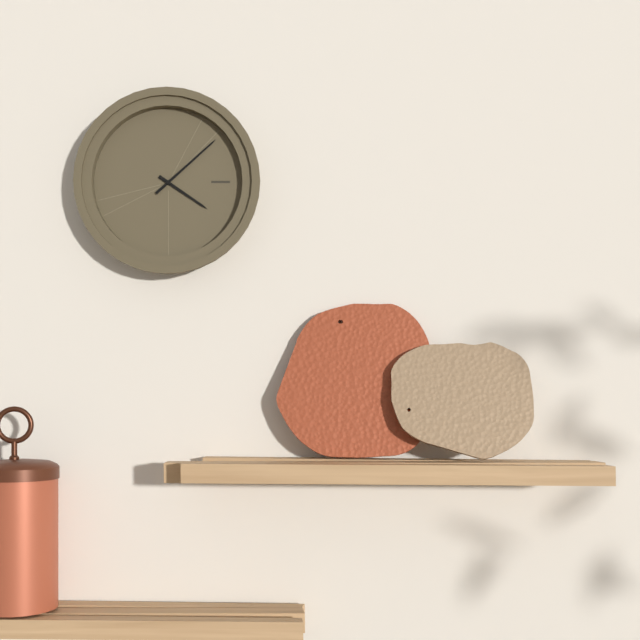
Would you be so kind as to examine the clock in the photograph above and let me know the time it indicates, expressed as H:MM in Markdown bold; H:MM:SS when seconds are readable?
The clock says **4:08**
